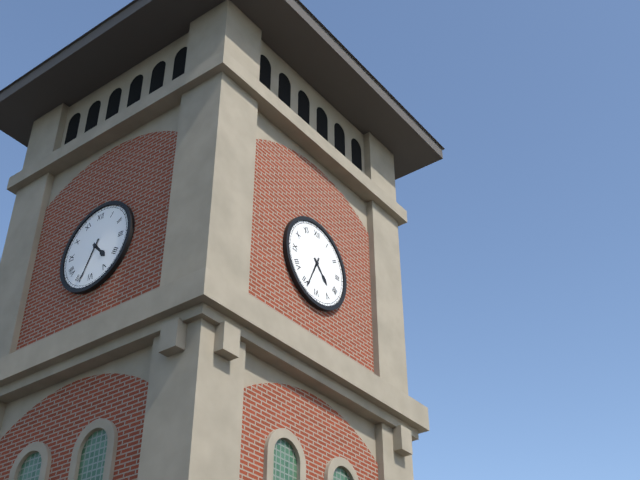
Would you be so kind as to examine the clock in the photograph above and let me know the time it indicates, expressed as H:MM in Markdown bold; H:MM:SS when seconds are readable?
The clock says **4:34**
